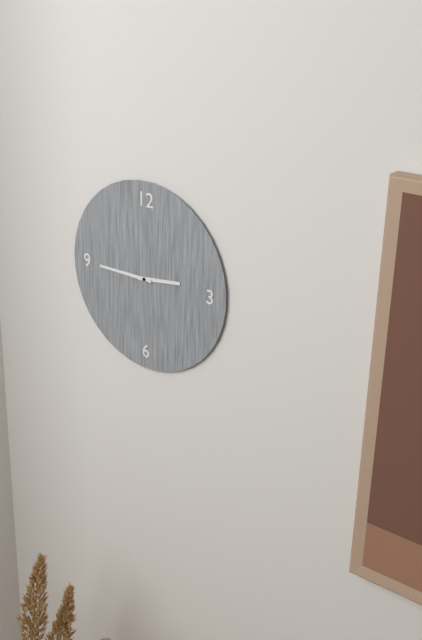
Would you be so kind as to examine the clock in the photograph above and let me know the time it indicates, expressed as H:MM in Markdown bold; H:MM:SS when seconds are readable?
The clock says **2:45**
